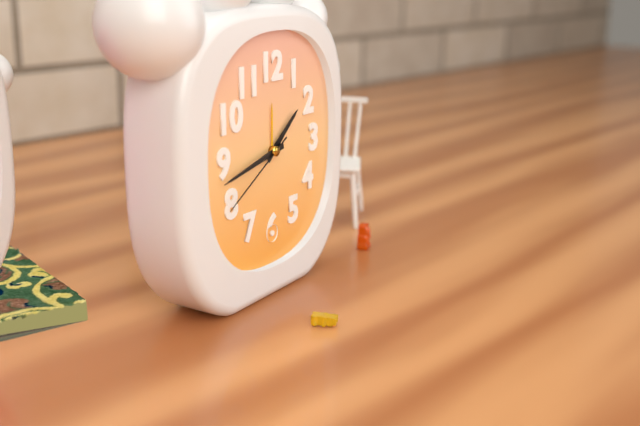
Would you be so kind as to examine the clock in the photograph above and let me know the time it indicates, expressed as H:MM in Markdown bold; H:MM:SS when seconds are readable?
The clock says **1:43:40**
